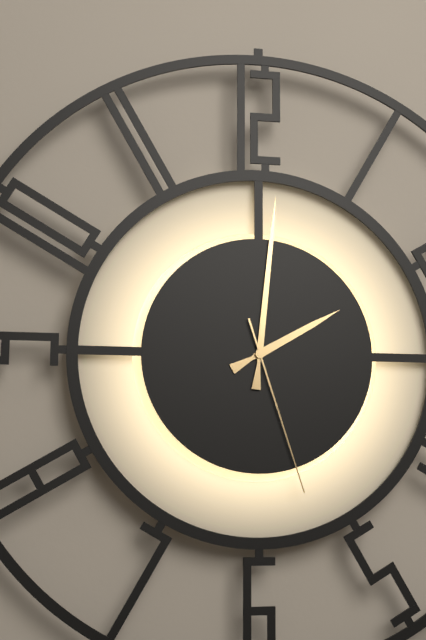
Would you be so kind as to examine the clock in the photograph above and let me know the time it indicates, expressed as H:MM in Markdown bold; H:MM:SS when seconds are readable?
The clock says **2:01:27**
